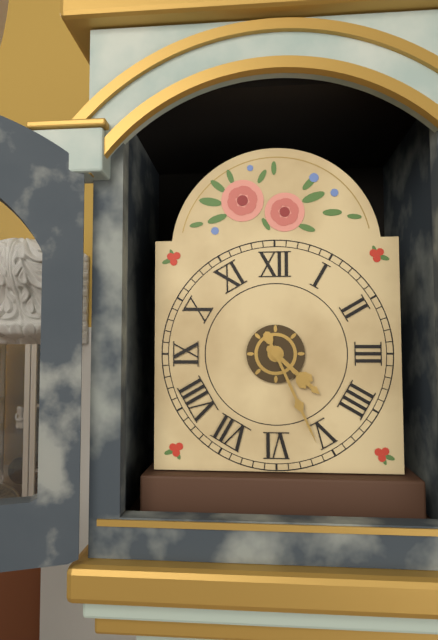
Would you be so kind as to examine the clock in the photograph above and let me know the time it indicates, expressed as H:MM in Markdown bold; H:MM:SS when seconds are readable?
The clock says **4:26**
